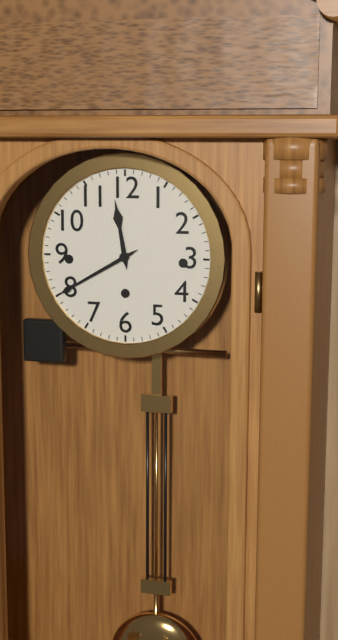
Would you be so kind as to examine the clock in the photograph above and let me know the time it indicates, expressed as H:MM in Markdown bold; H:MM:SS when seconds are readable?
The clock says **11:40**
